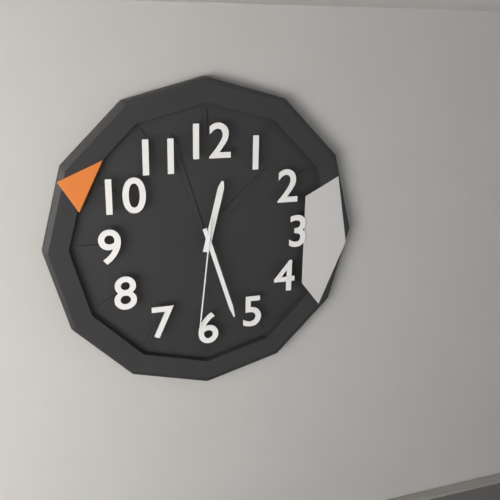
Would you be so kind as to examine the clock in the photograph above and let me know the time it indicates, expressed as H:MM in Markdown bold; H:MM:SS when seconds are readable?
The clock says **12:27:31**
